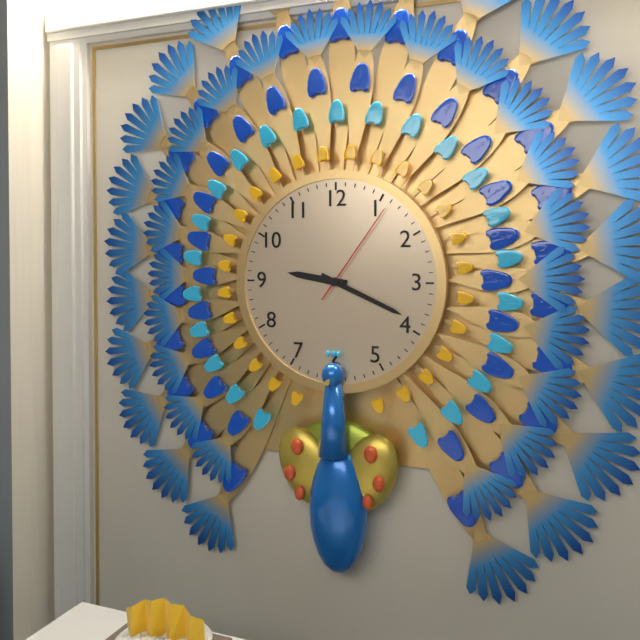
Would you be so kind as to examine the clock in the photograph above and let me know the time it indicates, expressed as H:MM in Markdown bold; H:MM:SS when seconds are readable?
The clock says **9:19:06**
